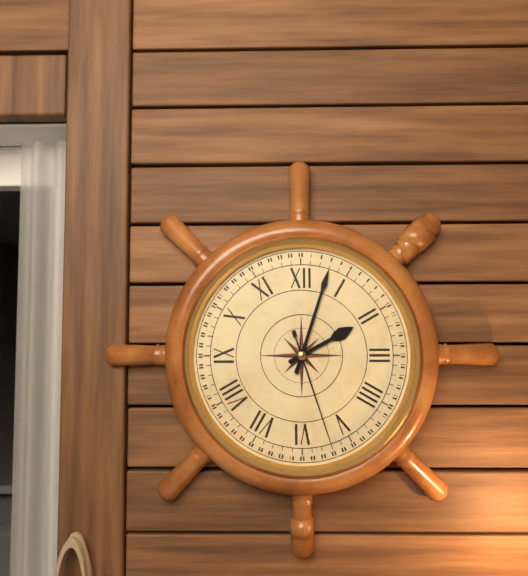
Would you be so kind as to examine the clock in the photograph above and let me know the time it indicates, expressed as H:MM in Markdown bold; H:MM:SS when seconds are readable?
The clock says **2:03:27**
